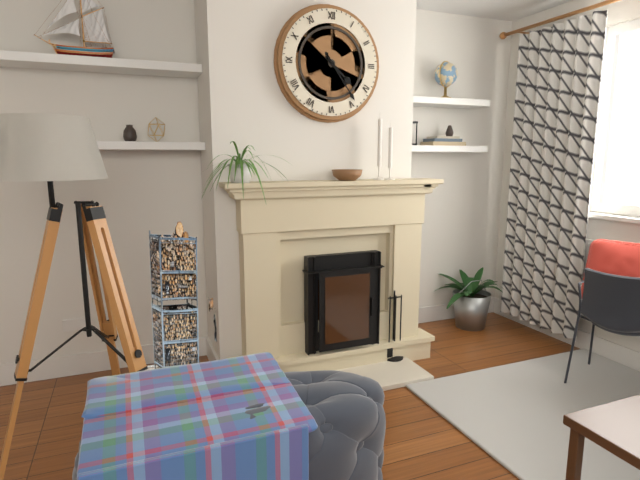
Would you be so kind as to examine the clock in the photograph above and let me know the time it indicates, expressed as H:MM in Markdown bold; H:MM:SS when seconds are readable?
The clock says **4:24**
